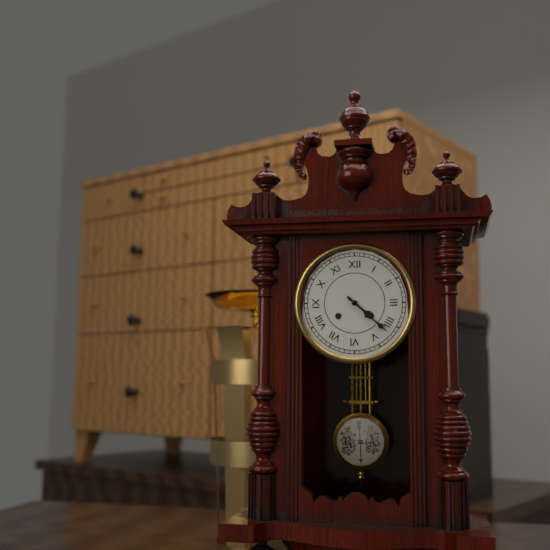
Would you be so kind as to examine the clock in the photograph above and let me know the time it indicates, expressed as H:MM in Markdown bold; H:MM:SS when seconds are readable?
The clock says **4:22**
